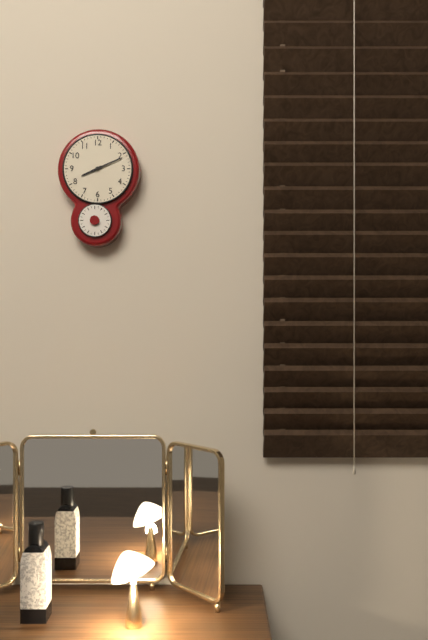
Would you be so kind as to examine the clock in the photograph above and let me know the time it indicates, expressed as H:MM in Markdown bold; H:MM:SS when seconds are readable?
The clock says **8:11**
